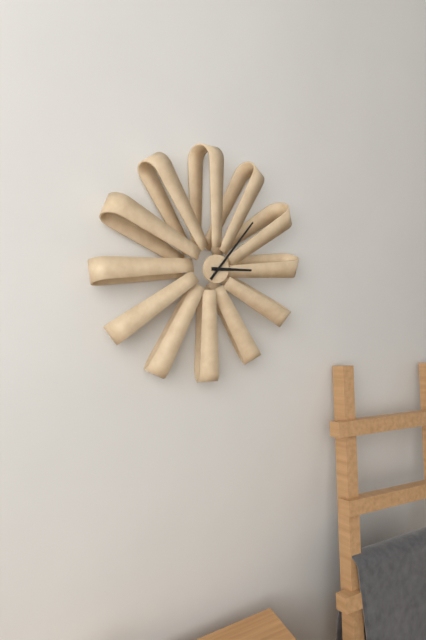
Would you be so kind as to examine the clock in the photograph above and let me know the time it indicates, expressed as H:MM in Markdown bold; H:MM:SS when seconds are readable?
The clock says **3:07**
